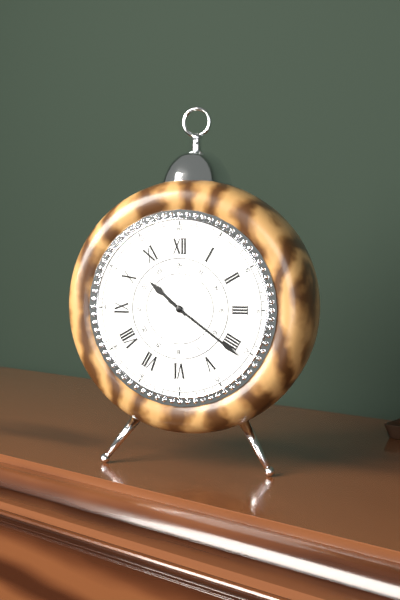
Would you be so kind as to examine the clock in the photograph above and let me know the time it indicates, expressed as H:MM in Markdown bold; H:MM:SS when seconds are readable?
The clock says **10:21**
